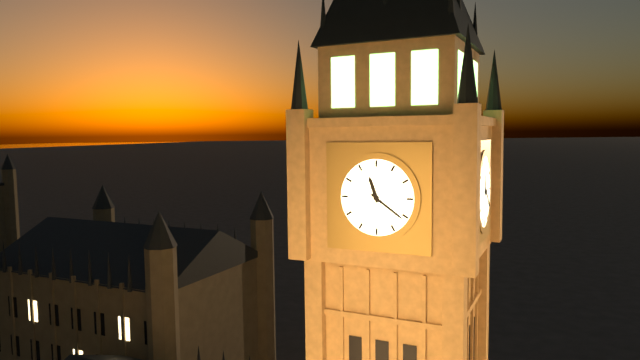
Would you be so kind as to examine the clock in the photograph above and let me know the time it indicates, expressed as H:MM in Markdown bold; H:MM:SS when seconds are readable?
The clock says **11:21**
